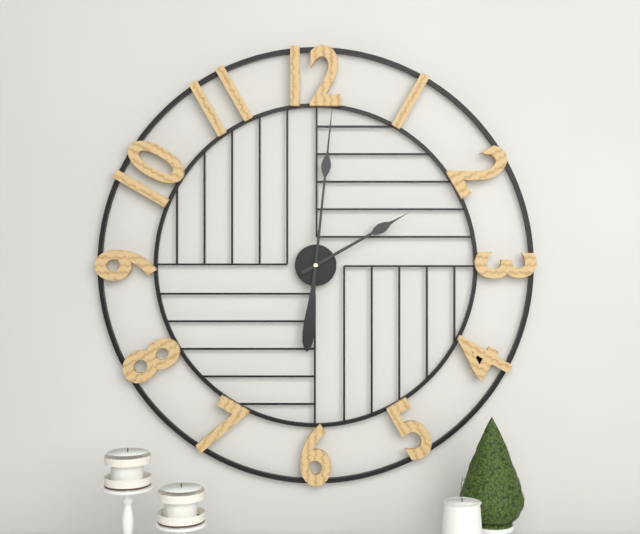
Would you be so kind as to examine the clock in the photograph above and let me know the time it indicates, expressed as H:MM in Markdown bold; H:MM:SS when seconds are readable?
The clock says **2:01**
